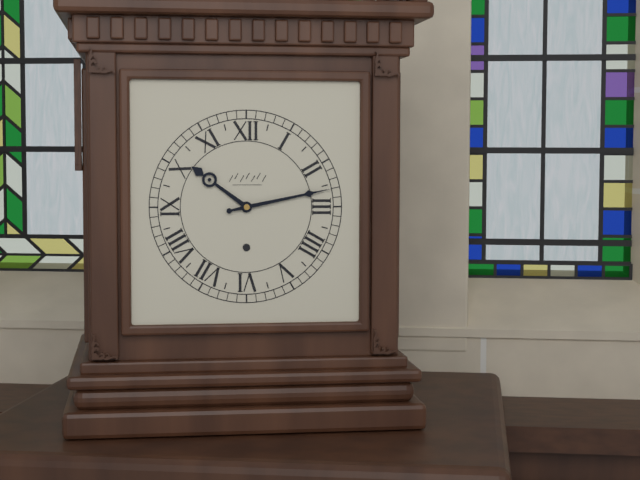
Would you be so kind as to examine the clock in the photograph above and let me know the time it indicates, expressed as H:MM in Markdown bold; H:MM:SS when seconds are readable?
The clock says **10:13**
